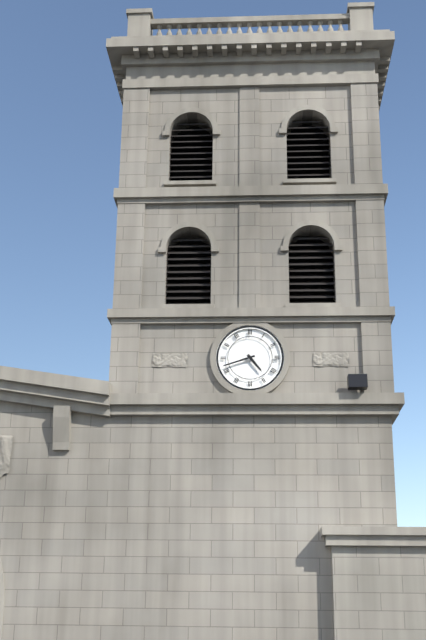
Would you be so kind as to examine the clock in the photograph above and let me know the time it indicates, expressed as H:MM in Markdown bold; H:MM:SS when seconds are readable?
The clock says **4:42**
